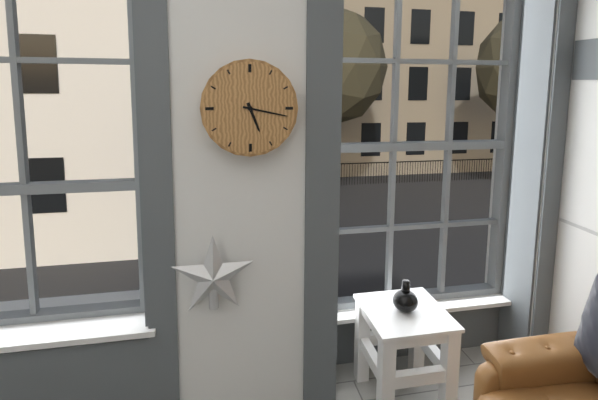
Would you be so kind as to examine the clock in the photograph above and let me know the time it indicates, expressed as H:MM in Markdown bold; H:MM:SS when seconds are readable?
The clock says **5:17**
